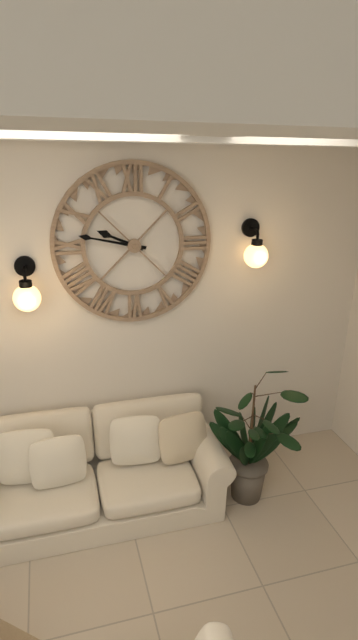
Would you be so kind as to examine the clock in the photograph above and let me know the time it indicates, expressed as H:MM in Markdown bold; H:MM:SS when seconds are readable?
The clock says **9:47**
